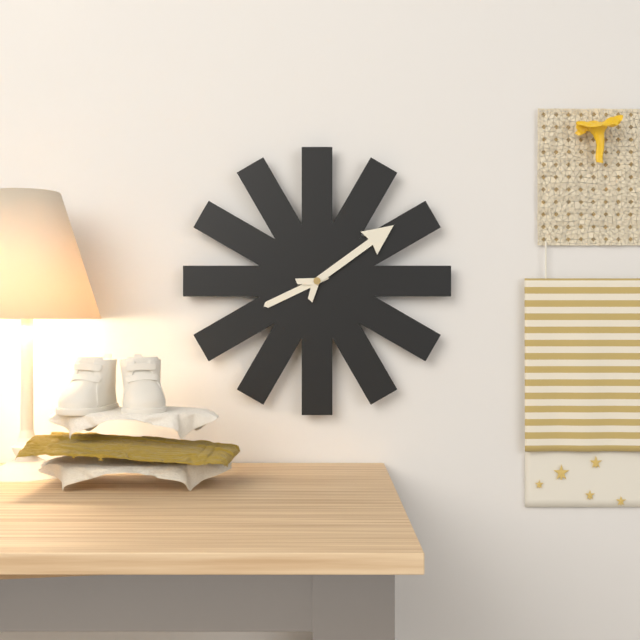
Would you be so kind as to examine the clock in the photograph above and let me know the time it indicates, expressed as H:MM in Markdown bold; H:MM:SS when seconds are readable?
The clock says **8:09**
